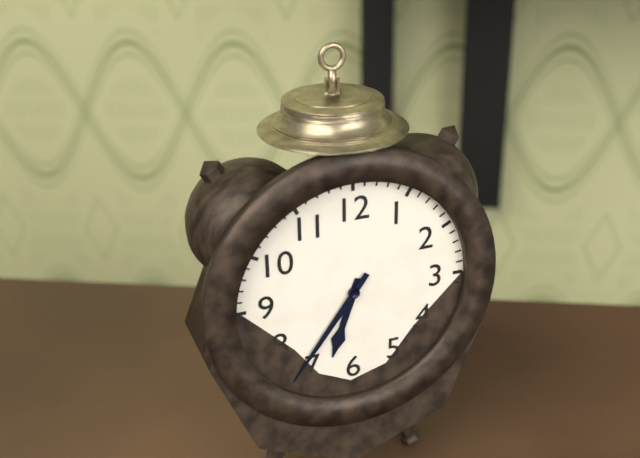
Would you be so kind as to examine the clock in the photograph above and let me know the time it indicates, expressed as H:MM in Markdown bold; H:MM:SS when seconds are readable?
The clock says **6:36**
